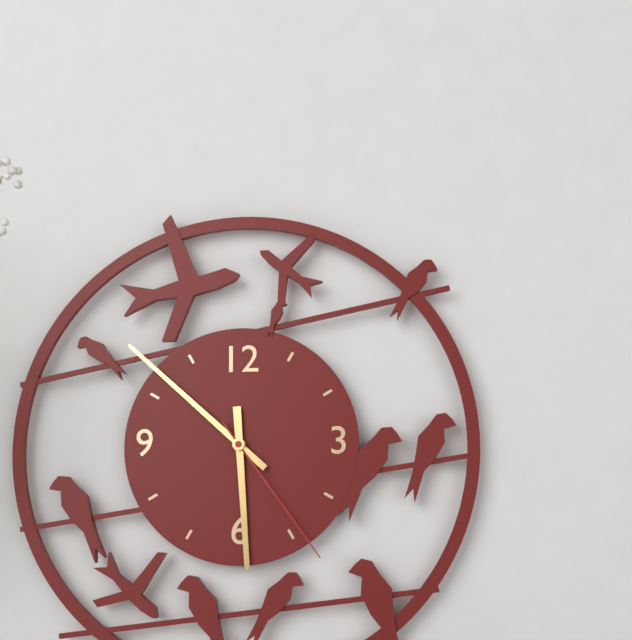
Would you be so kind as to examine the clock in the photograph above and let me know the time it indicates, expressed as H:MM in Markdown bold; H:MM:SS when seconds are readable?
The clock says **5:52:24**
